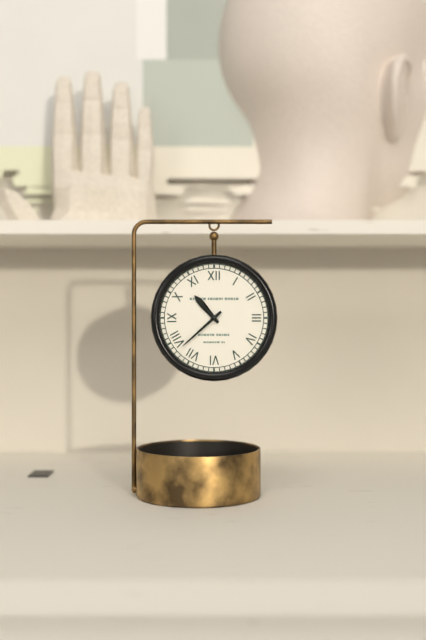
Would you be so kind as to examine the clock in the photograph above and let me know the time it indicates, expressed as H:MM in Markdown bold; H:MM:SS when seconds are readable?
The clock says **10:38**
